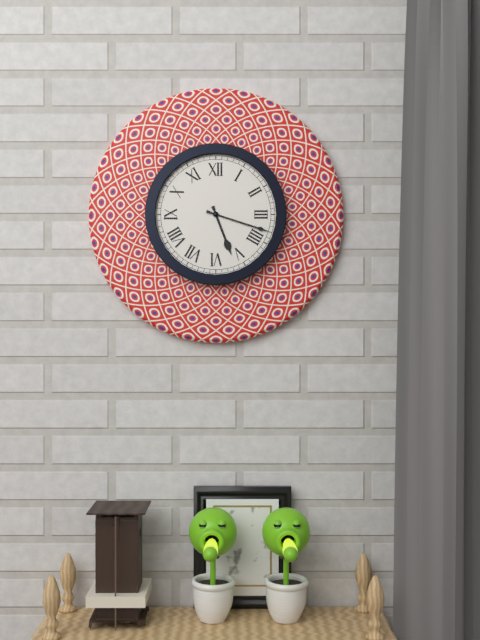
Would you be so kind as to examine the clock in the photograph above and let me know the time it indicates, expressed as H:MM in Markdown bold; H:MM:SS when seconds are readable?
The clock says **5:18**
